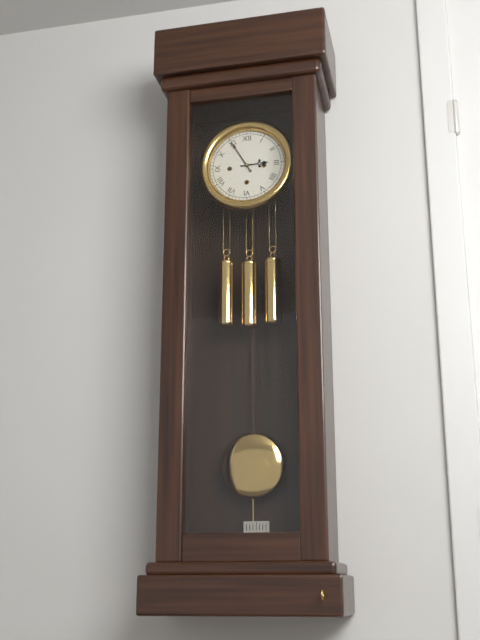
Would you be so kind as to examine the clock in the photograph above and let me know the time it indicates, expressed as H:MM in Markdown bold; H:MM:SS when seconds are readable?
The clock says **2:55**
